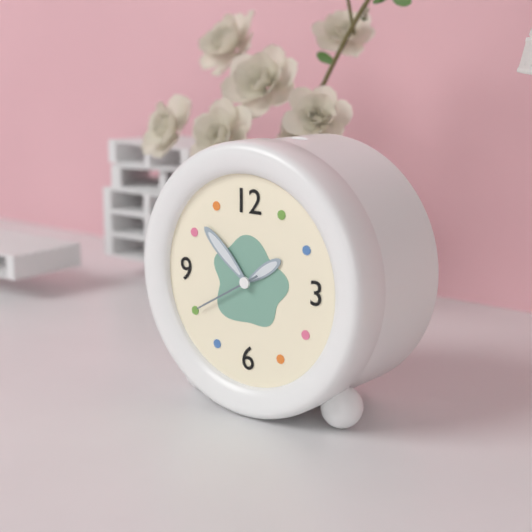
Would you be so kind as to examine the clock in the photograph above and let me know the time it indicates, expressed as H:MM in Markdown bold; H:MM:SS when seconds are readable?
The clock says **1:52:40**
